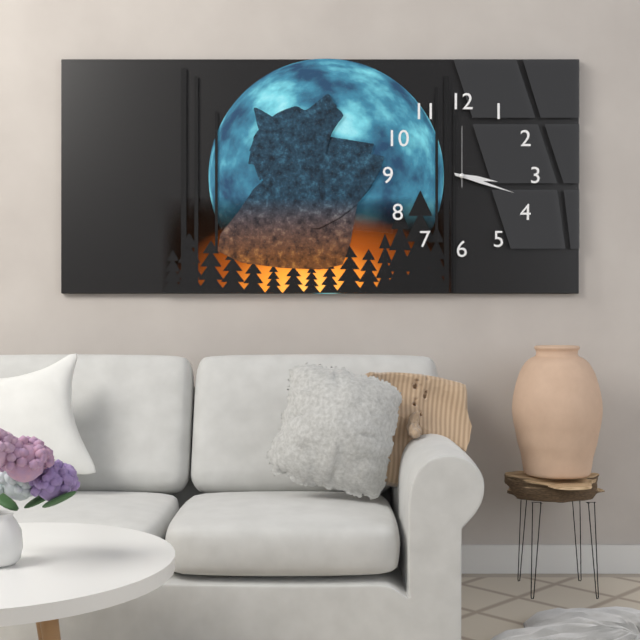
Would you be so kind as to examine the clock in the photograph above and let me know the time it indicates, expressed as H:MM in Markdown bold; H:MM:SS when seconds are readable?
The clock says **3:18:00**
